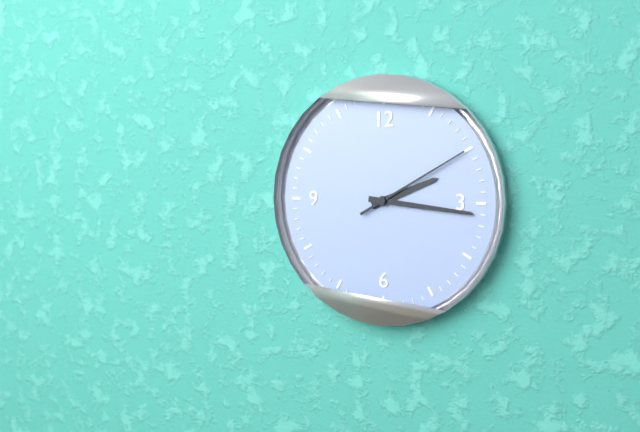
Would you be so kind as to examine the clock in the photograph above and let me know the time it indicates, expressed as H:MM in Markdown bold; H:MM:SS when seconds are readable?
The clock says **2:16:10**
